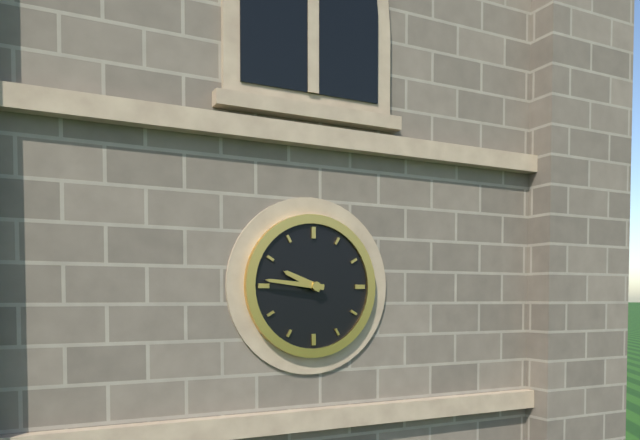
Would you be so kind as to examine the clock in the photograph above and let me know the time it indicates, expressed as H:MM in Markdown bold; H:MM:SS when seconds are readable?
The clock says **9:46**
